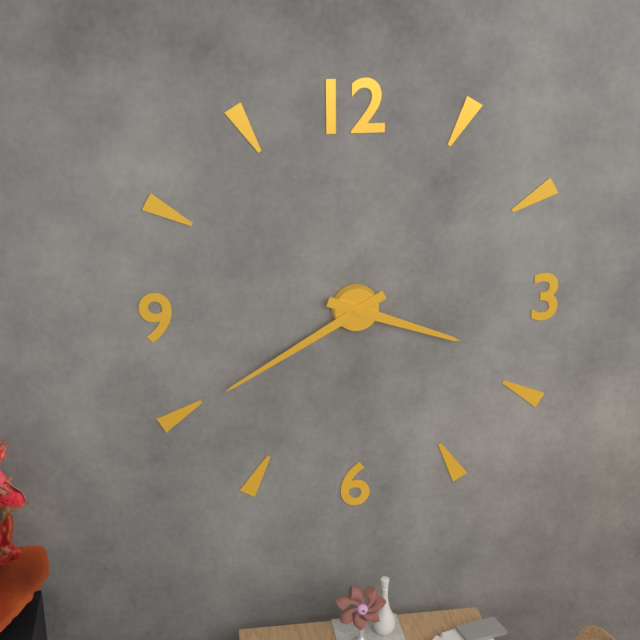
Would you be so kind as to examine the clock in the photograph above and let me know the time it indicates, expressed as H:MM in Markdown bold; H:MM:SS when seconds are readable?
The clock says **3:40**
